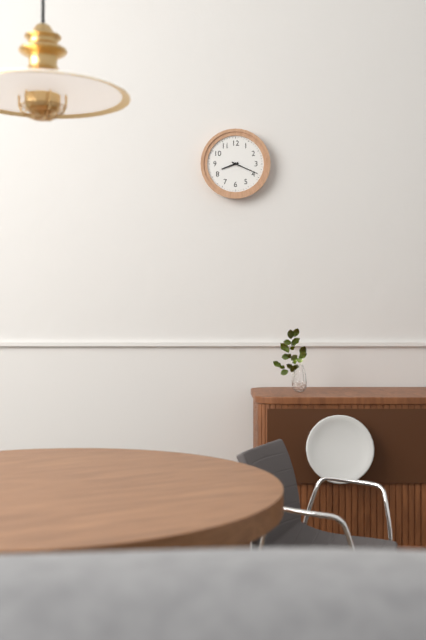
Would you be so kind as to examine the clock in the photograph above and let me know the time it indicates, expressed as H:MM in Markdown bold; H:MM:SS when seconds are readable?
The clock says **8:19**
